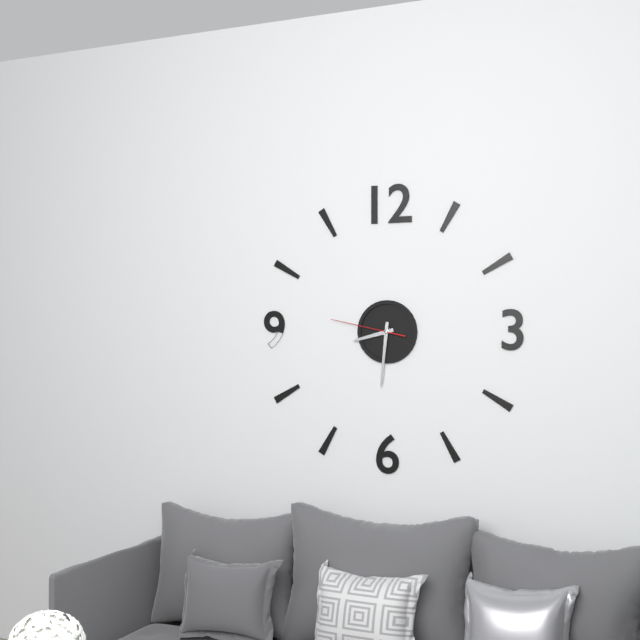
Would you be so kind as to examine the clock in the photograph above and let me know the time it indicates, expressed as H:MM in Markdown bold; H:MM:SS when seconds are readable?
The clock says **8:31:47**
